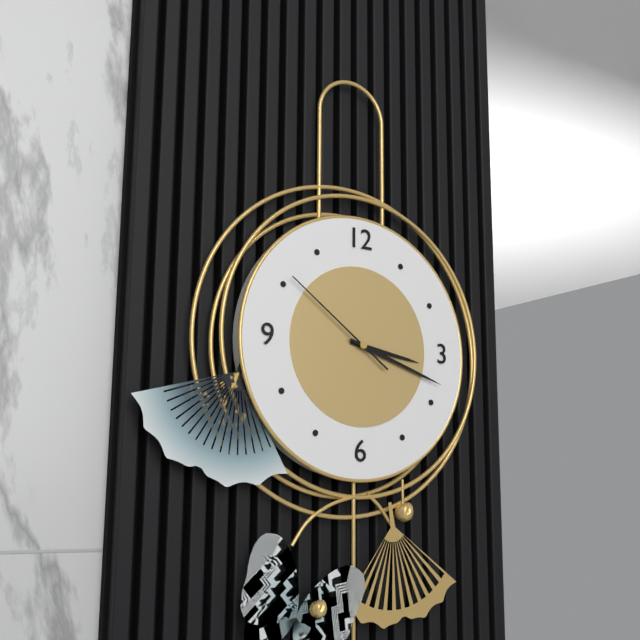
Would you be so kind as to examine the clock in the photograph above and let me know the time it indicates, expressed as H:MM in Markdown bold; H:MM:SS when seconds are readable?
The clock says **3:18:51**
